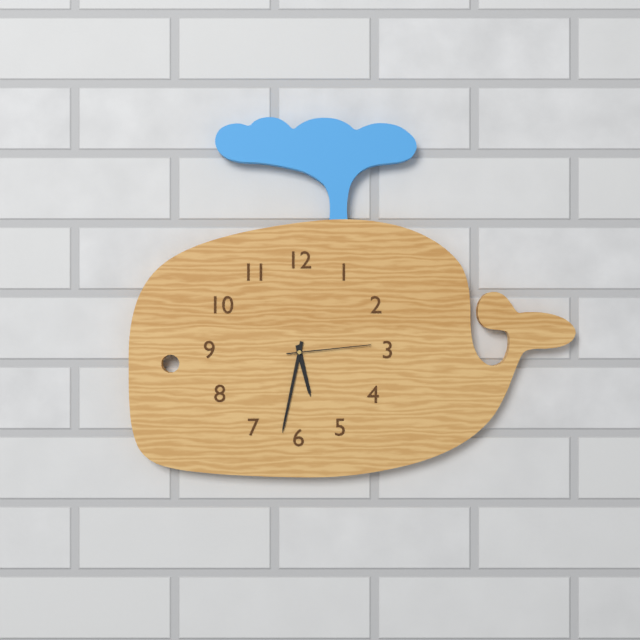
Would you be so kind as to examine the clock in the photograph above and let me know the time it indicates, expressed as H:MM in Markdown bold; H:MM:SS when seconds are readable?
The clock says **5:32:14**
